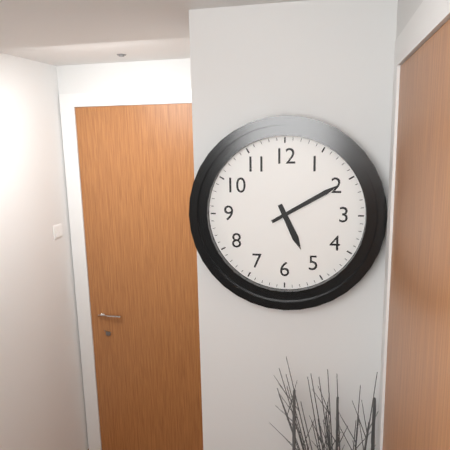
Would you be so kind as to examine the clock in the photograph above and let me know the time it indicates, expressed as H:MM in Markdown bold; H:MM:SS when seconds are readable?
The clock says **5:10**
